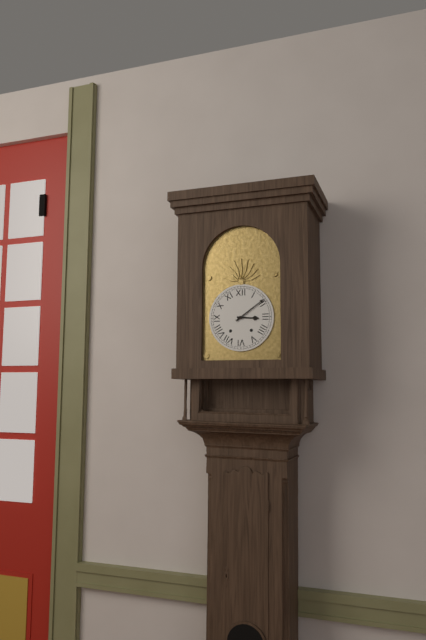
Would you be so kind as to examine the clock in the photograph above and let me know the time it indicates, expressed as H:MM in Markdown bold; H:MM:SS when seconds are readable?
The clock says **3:09**
